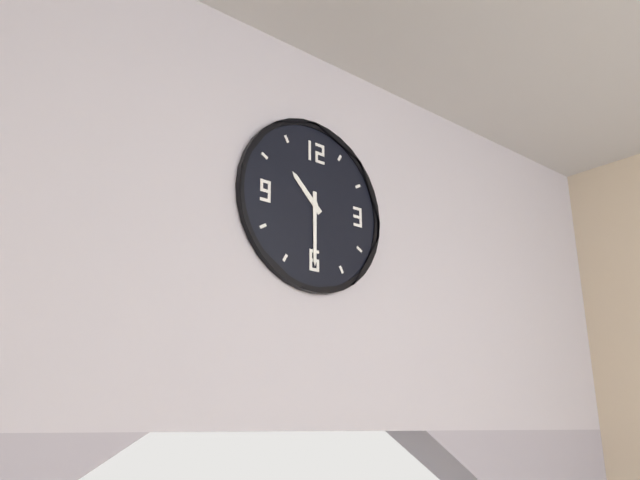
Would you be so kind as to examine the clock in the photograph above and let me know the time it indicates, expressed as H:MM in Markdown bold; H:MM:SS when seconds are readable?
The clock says **10:30**
